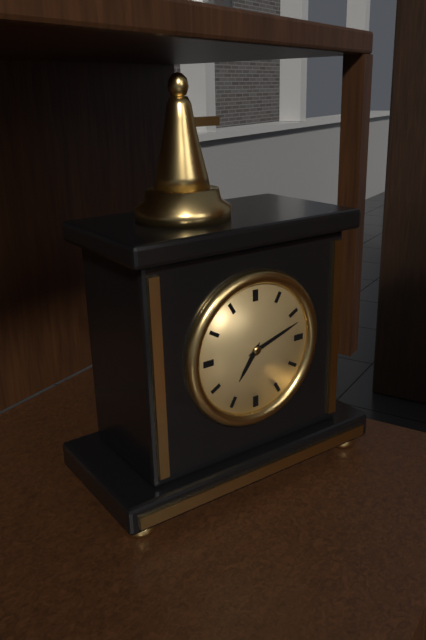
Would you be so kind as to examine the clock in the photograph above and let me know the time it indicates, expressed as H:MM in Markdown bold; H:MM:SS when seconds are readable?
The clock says **7:12**
